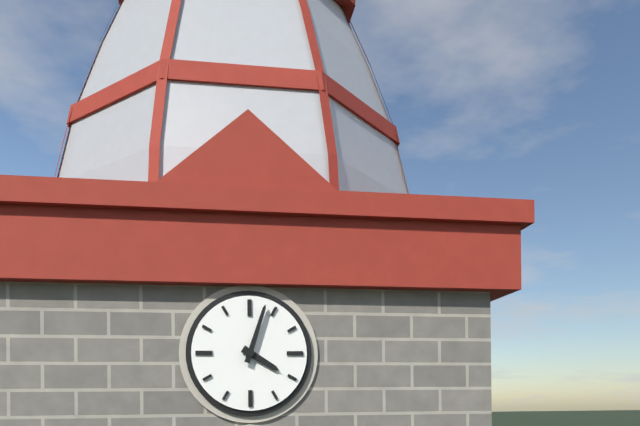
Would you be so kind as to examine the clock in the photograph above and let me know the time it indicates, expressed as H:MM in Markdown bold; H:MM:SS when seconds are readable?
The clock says **4:03**
